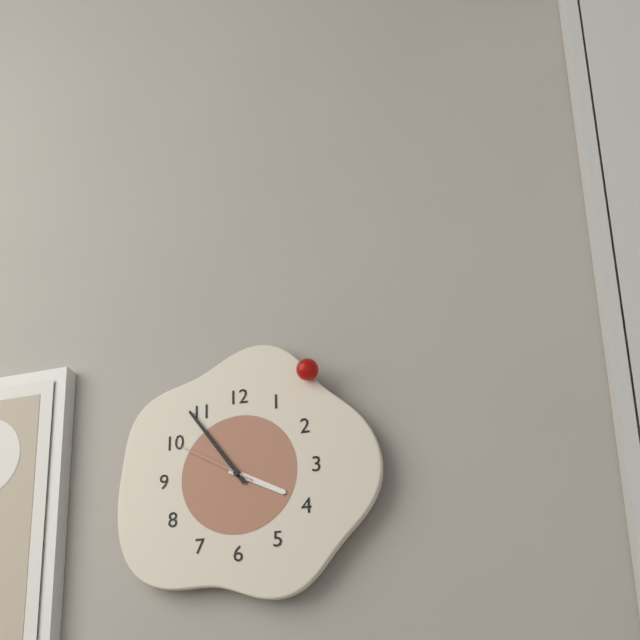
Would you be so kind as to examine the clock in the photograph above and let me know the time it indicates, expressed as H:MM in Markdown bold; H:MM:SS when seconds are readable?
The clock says **3:54:50**
